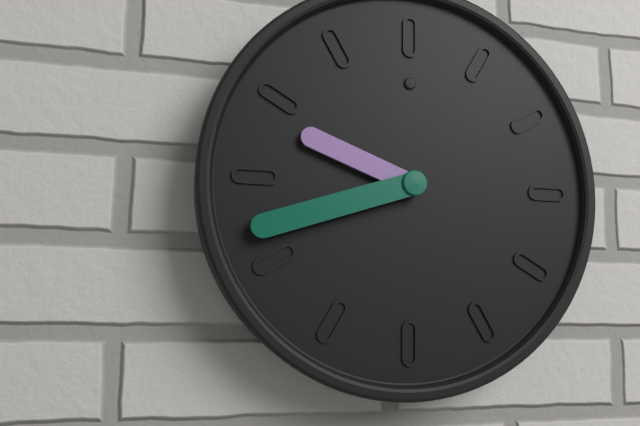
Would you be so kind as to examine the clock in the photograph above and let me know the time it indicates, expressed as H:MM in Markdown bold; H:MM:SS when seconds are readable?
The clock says **9:42**
